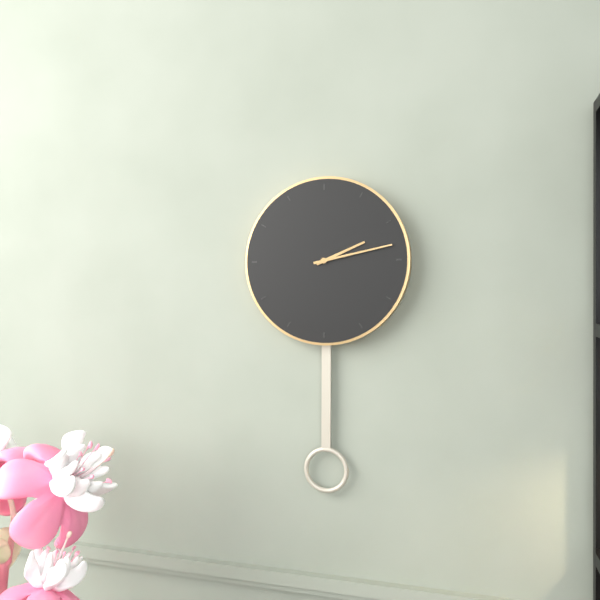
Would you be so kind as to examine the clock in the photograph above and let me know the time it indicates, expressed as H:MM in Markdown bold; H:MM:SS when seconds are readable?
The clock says **2:13**
